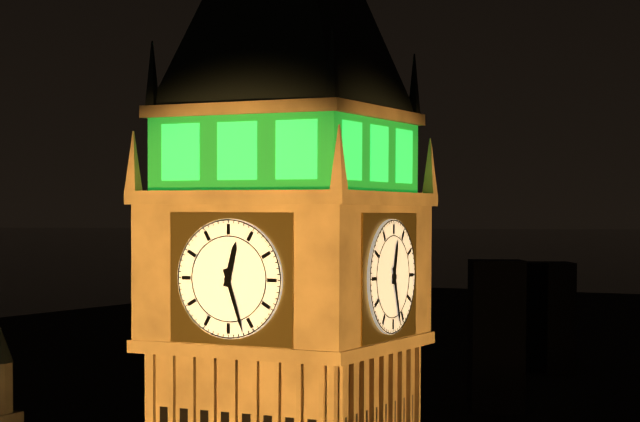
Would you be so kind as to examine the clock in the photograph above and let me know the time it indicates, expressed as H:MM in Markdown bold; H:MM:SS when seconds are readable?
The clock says **12:27**
